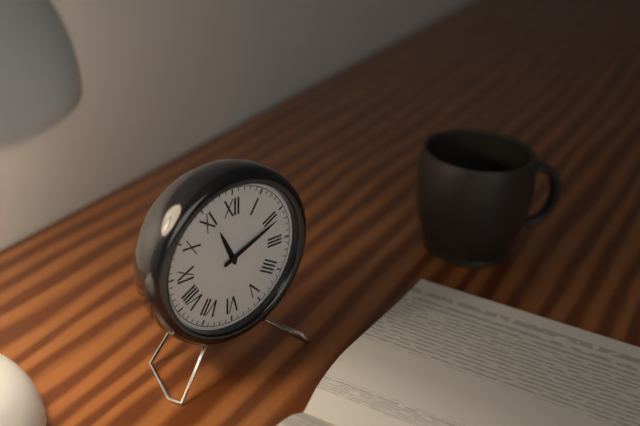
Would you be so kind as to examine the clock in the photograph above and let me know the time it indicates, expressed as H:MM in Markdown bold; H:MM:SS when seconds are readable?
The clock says **11:11**
